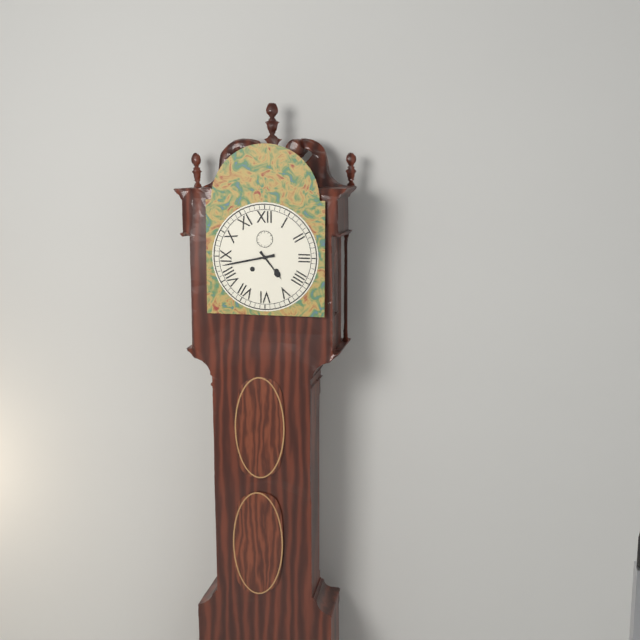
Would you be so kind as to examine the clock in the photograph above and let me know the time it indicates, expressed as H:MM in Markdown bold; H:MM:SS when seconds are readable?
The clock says **4:43**
